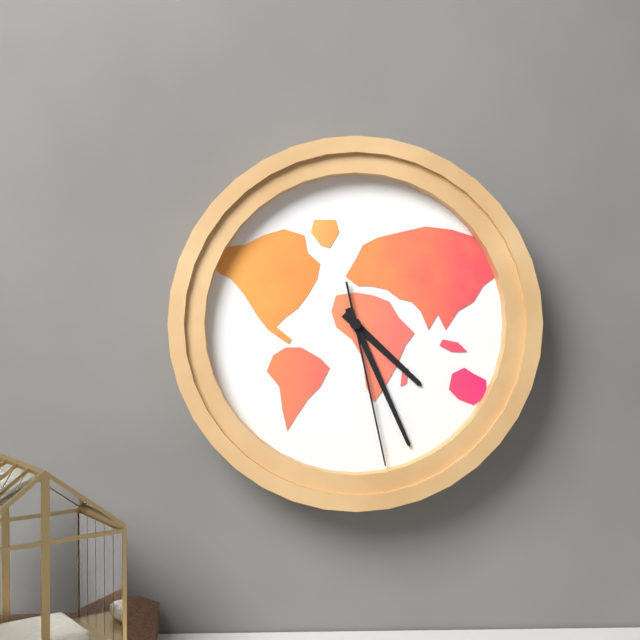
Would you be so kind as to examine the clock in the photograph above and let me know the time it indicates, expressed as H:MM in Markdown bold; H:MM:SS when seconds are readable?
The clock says **4:26:28**
